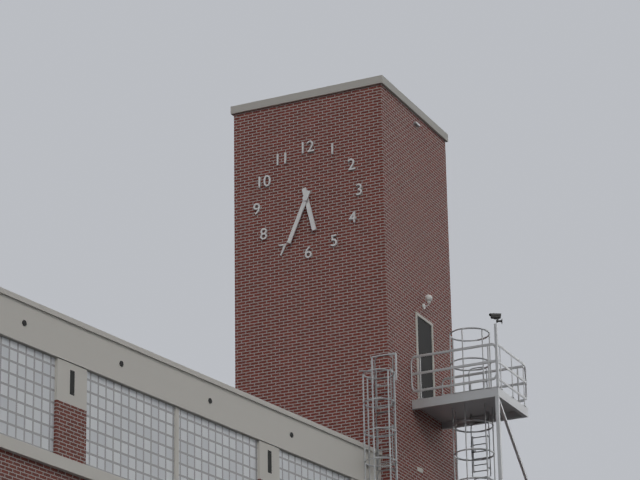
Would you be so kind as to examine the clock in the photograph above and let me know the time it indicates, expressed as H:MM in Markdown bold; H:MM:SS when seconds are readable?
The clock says **5:34**
